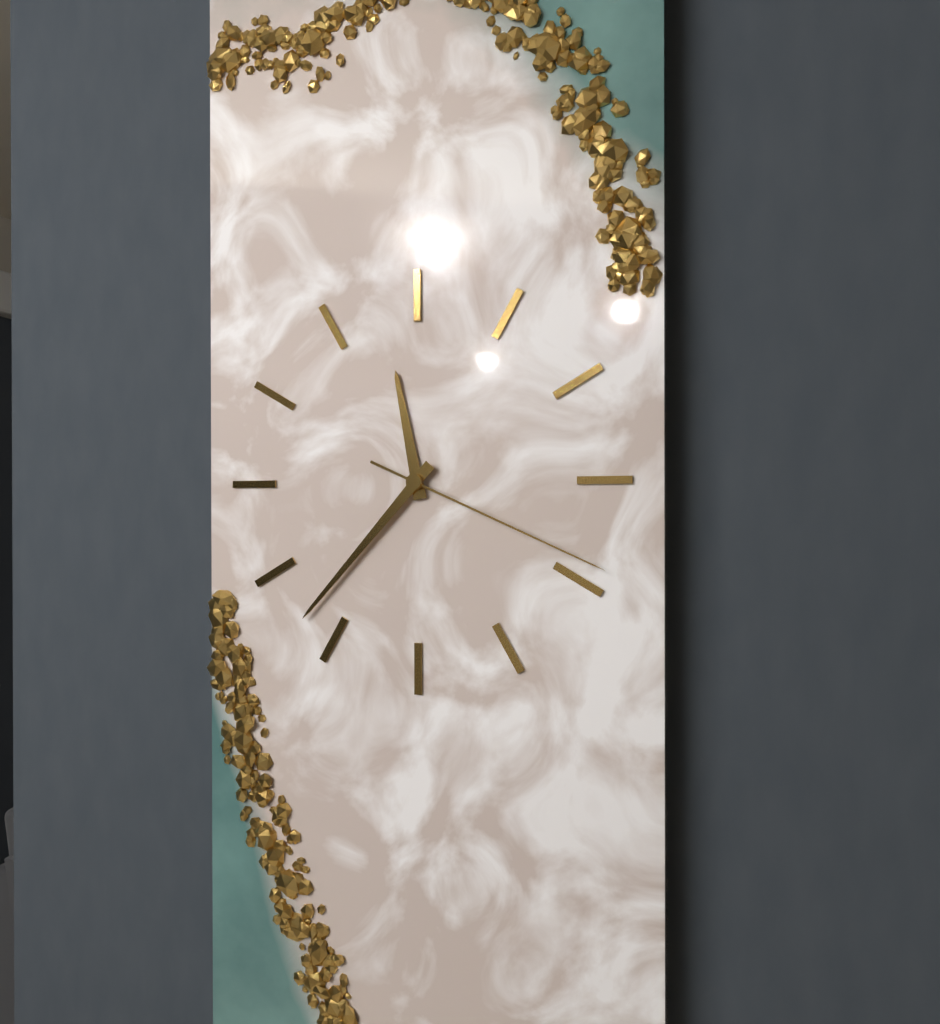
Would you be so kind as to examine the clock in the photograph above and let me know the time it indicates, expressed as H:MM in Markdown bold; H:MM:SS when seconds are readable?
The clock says **11:37:19**
